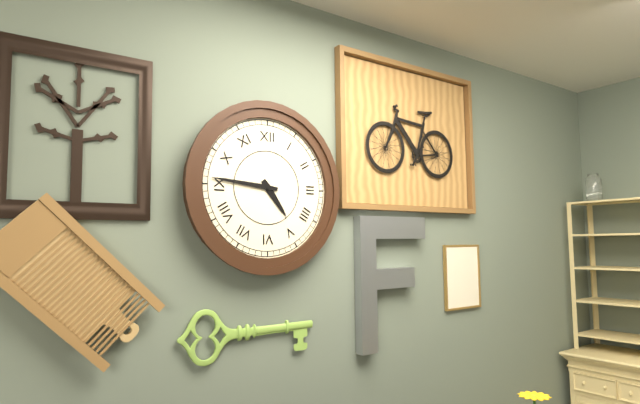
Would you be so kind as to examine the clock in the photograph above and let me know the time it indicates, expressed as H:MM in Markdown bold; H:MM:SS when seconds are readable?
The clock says **4:46**
